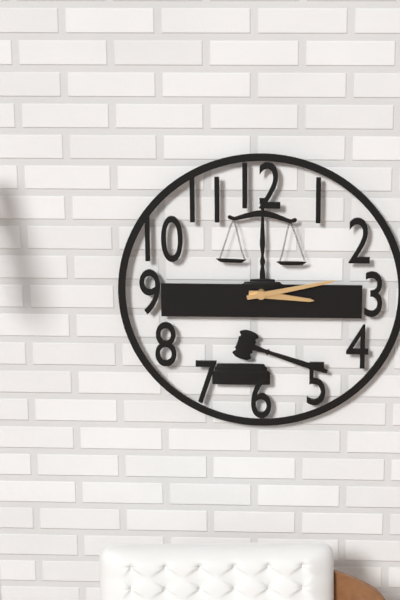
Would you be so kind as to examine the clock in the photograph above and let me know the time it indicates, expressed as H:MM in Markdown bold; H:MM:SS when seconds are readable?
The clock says **3:13**
